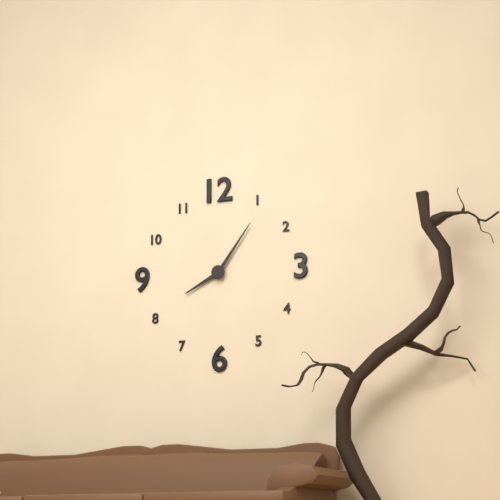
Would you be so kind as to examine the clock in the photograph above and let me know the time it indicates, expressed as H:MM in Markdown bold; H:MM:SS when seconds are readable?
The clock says **8:06**
